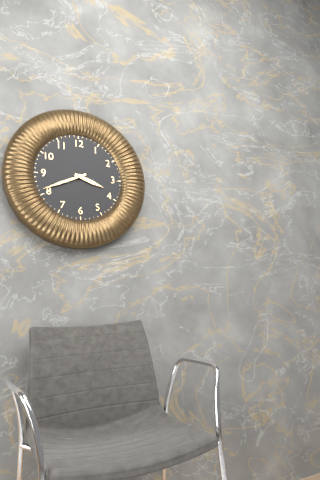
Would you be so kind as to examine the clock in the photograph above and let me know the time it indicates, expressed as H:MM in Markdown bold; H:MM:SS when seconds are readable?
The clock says **3:41**
